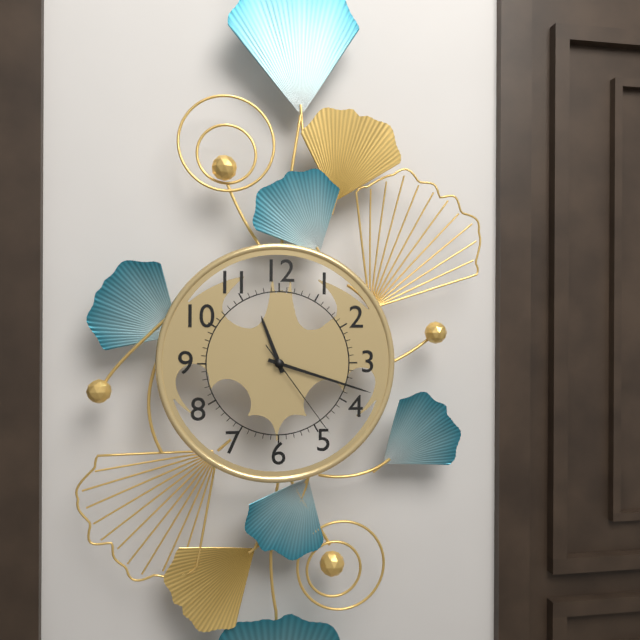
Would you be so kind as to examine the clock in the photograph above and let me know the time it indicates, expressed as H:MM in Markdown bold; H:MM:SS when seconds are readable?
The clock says **11:18:24**
